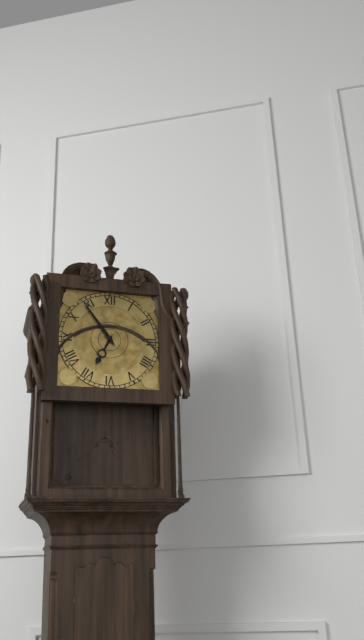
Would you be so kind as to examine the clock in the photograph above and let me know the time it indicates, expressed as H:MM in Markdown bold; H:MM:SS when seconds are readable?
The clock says **6:54**
